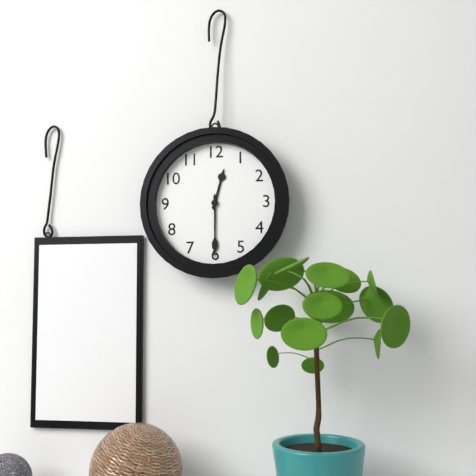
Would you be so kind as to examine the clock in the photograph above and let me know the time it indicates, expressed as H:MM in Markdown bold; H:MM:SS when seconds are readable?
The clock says **12:30**
